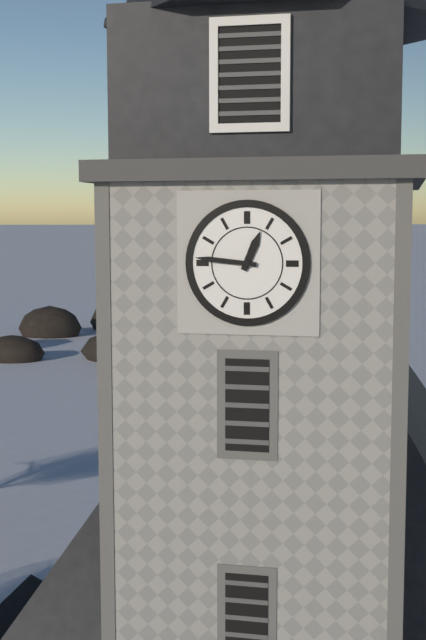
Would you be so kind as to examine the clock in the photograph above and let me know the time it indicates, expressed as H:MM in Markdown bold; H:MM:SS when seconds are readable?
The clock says **12:46**
